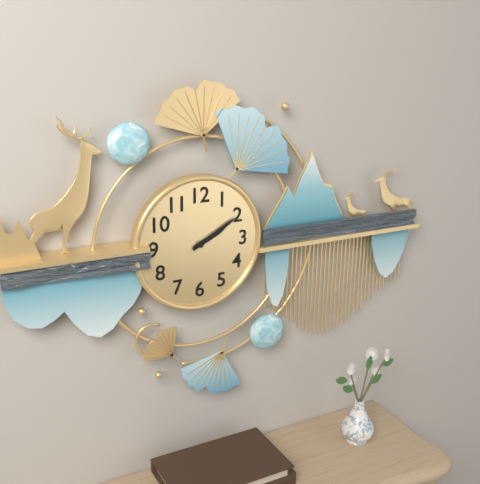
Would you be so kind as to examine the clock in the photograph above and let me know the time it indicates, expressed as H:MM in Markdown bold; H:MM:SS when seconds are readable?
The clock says **2:10**
